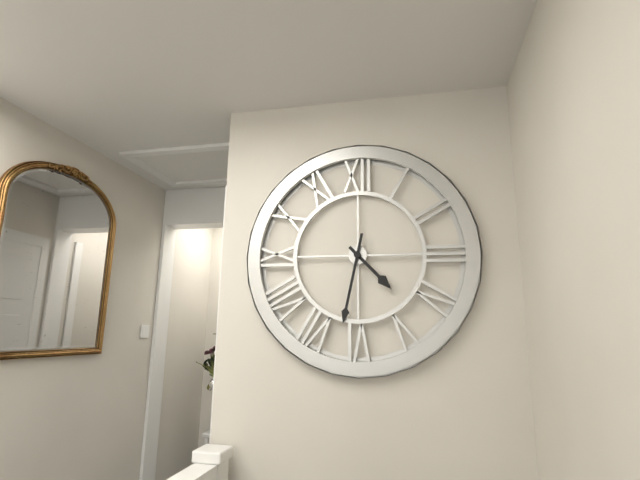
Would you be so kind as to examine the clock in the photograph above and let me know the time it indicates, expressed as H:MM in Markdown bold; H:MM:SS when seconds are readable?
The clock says **4:32**
